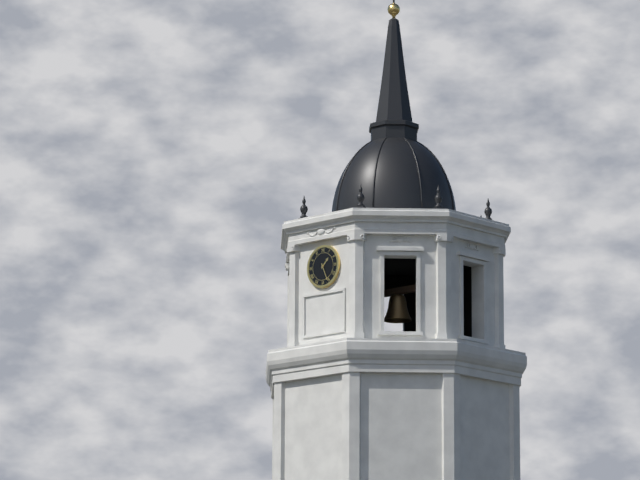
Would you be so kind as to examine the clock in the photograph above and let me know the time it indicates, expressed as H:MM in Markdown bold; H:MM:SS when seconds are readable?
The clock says **1:26**
